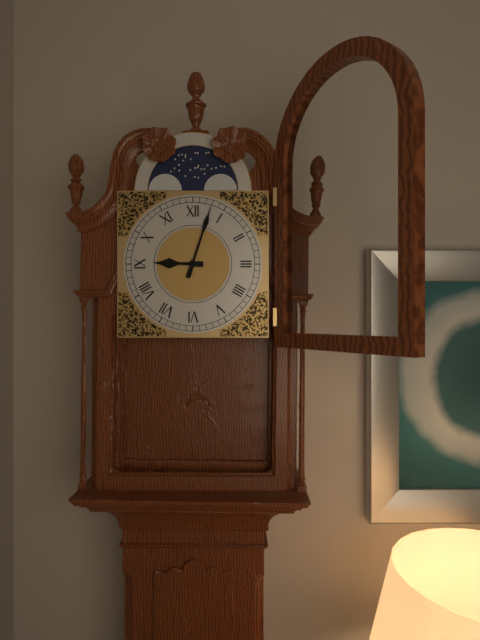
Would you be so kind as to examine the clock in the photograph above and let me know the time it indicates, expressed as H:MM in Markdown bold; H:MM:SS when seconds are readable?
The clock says **9:03**
